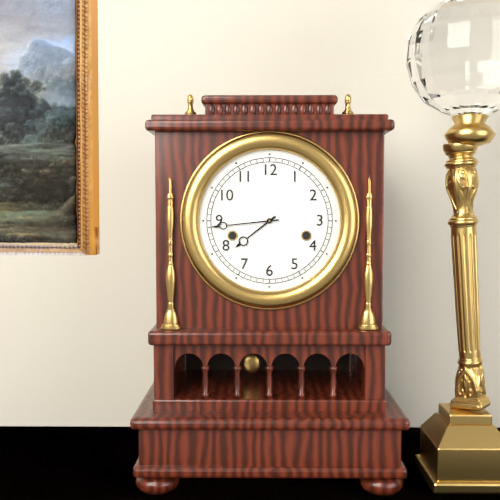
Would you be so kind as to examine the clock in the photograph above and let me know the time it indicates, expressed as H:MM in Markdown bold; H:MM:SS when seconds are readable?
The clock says **7:44**
